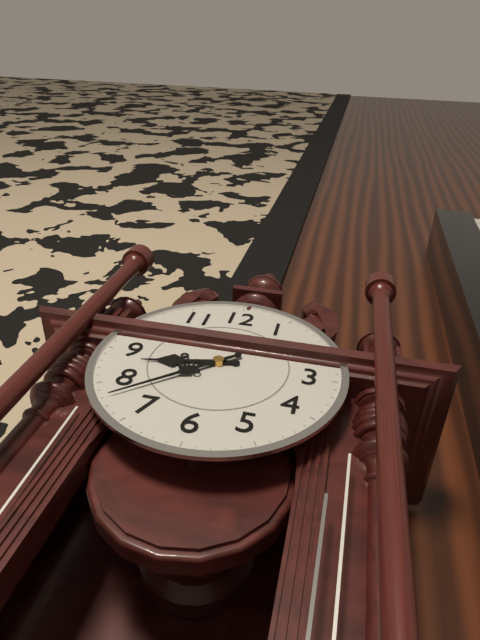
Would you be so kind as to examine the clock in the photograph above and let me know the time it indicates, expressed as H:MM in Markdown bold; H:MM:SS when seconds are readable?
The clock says **8:38**
